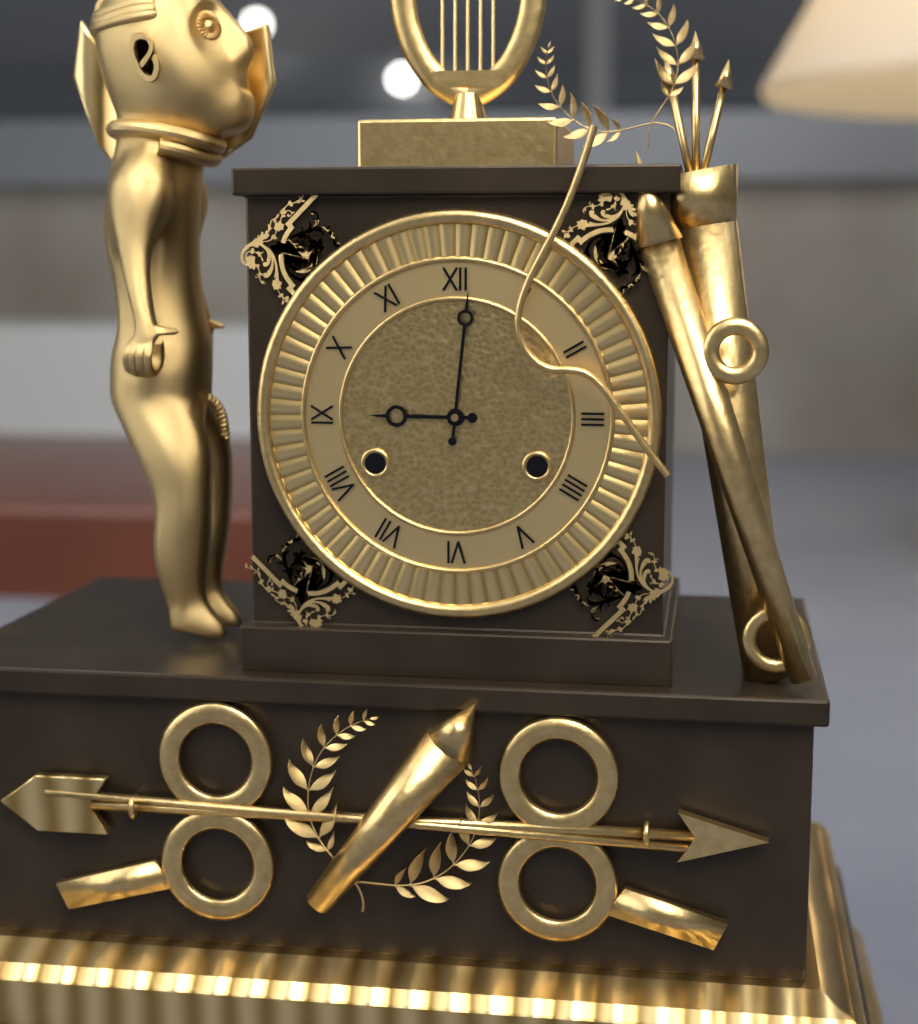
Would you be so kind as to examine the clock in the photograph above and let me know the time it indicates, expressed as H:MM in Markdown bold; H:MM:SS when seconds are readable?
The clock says **9:01**
